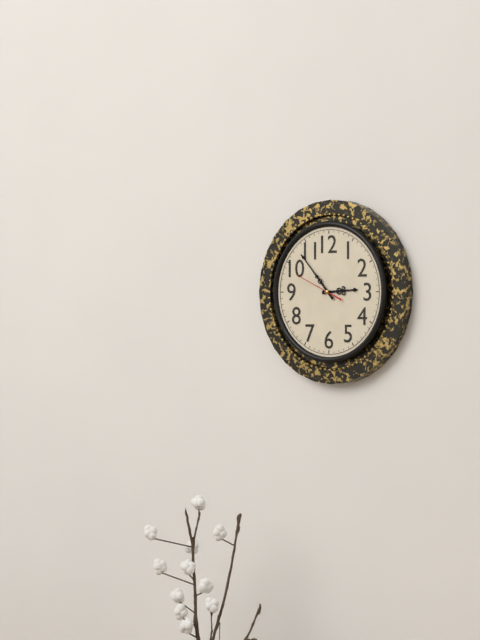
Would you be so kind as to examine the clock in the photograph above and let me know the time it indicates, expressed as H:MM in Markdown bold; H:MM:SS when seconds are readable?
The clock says **2:53**
